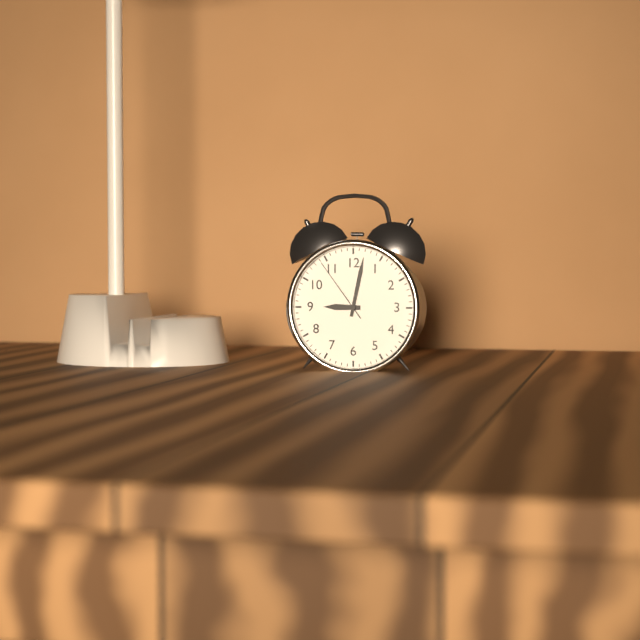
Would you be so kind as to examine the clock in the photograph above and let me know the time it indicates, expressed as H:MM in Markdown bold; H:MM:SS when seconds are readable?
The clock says **9:02:54**
